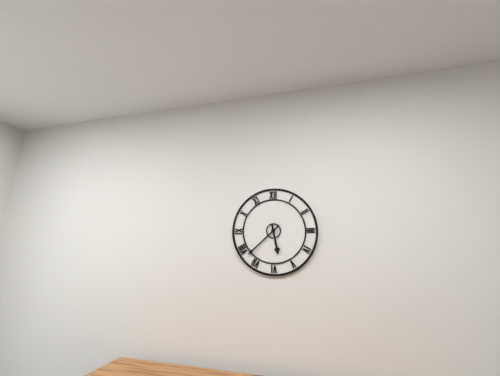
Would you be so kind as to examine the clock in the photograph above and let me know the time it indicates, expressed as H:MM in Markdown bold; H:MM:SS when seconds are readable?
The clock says **5:38**
